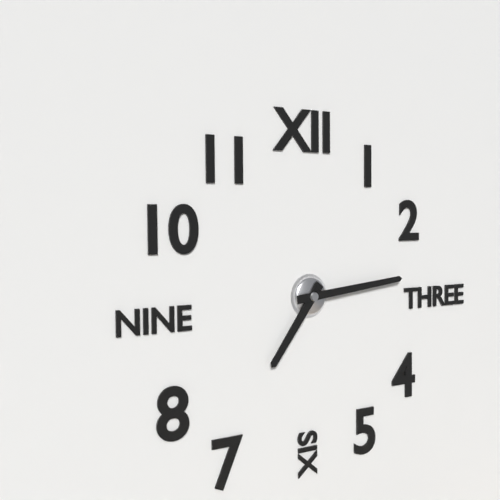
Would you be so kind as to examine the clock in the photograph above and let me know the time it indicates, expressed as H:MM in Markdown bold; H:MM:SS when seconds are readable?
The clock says **7:14**
